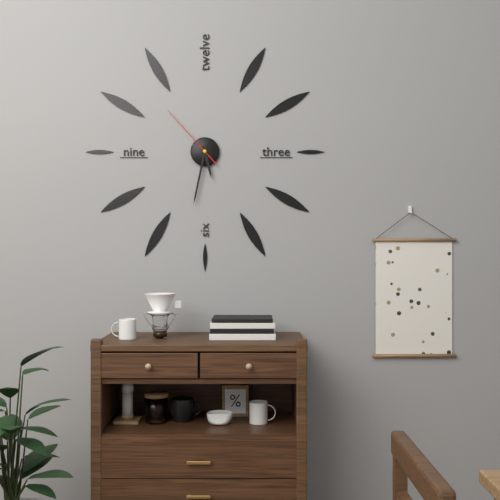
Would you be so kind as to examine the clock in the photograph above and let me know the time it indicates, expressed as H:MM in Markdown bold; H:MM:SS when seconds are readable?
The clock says **5:32:53**
